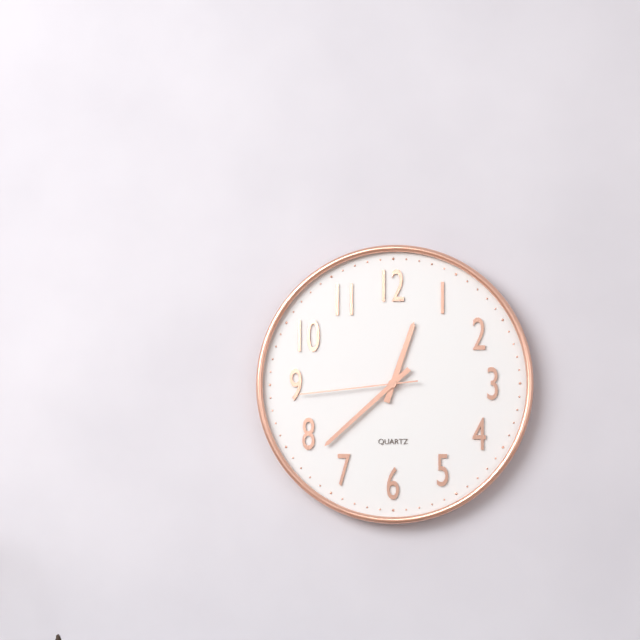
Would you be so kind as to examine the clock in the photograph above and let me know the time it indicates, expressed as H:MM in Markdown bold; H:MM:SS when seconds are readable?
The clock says **12:38:44**
